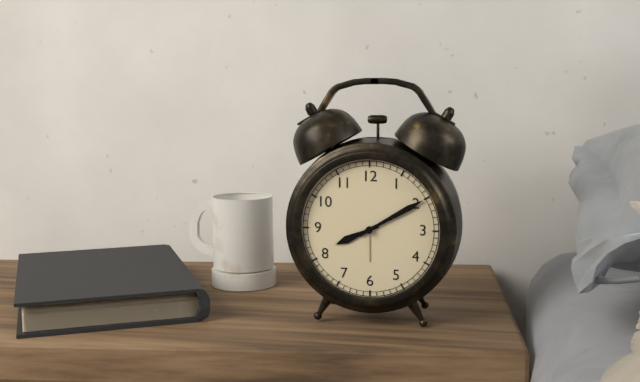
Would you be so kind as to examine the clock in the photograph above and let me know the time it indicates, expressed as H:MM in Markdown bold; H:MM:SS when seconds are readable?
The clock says **8:10**
